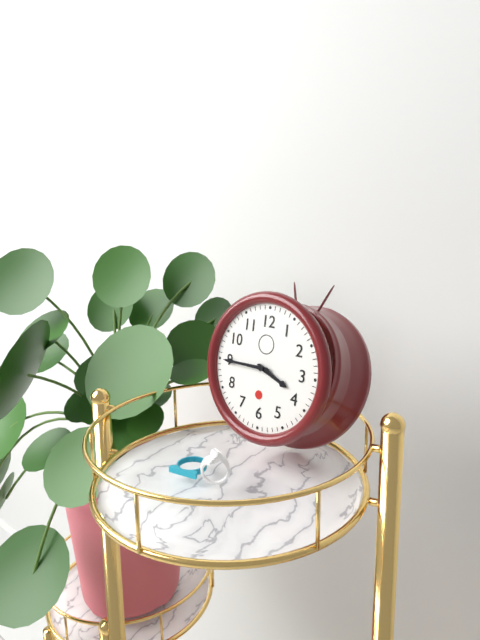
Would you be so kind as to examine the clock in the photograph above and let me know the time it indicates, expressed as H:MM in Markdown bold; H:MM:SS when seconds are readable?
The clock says **3:45**
